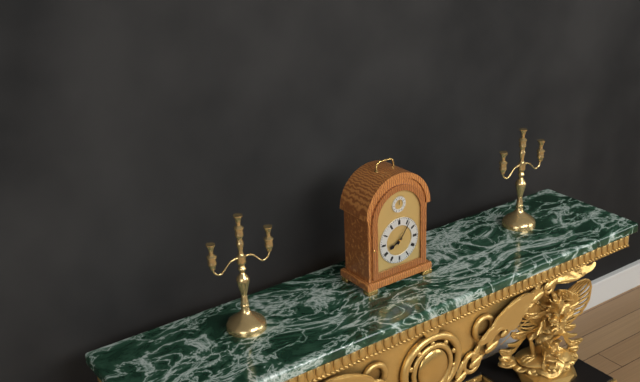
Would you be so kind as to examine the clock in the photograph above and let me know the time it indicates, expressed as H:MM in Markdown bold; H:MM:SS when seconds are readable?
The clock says **8:06**
